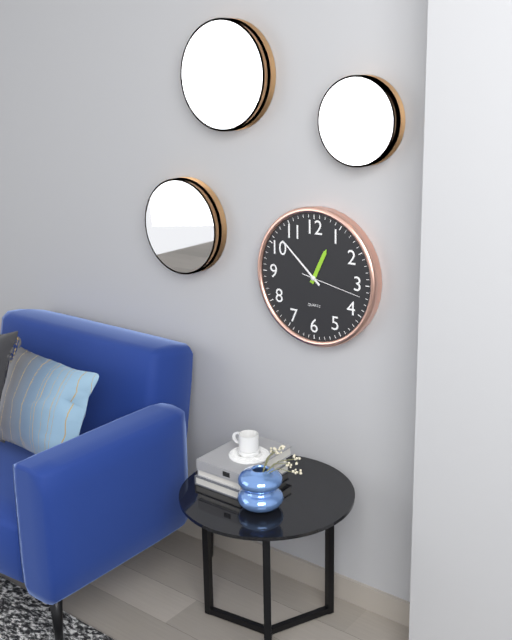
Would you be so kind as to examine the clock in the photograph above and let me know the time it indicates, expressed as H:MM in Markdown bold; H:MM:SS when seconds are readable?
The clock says **12:52:17**
